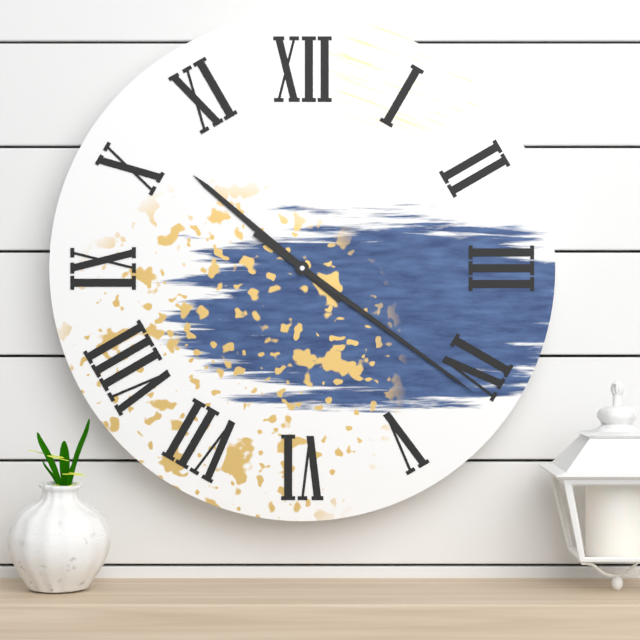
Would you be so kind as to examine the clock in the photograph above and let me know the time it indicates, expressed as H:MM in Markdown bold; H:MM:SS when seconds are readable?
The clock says **10:21**
